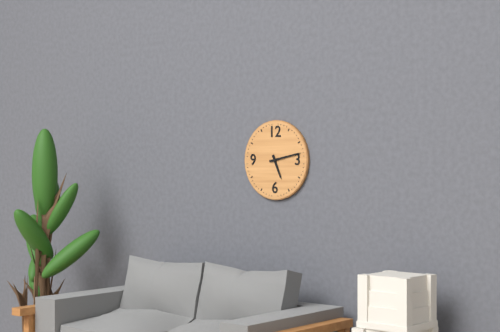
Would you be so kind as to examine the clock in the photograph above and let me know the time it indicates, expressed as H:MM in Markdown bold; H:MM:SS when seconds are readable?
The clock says **5:13**
